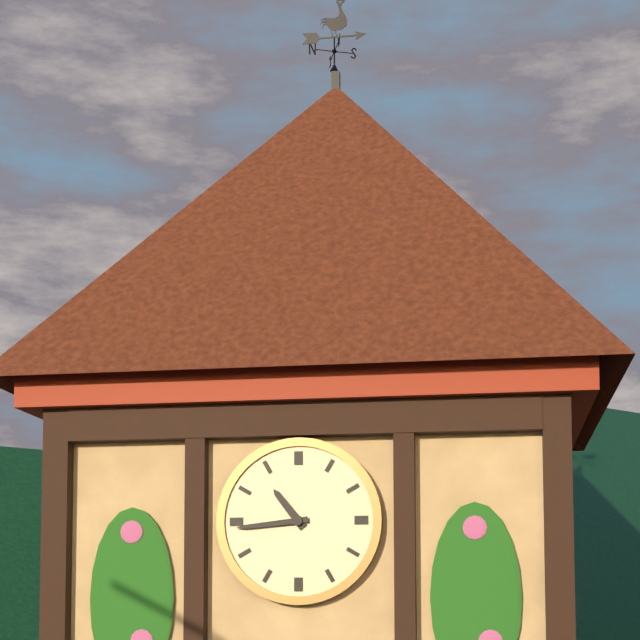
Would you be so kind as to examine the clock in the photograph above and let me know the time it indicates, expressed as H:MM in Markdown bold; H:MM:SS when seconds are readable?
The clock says **10:44**
